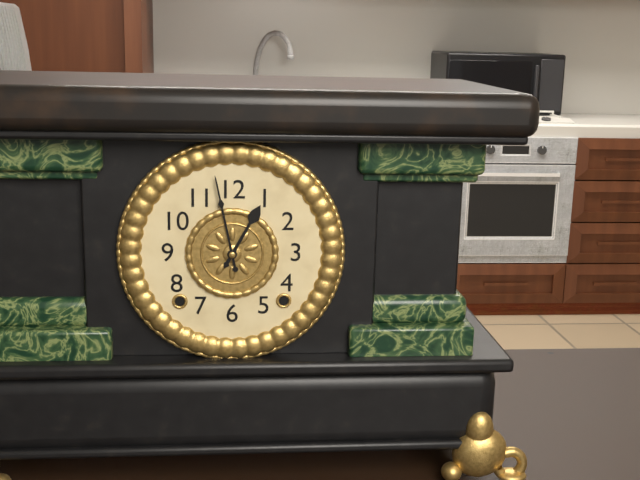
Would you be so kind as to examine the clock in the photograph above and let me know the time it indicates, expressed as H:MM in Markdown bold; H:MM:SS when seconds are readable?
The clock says **12:58**
